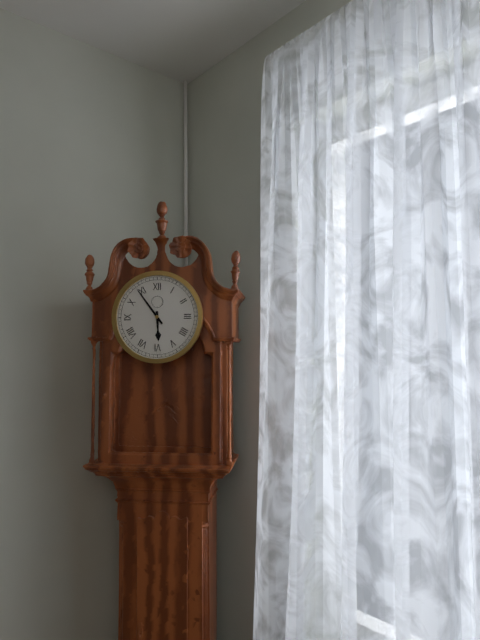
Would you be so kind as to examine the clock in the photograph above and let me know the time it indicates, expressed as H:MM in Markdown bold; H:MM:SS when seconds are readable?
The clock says **5:54**
